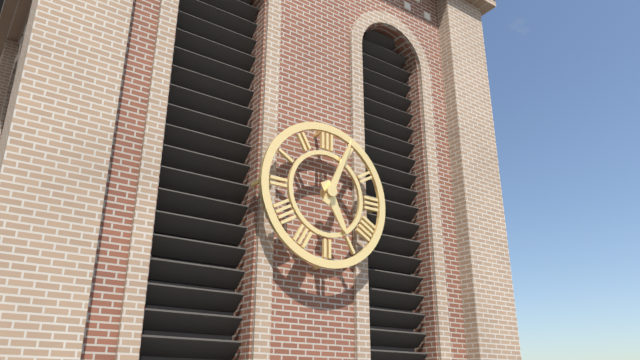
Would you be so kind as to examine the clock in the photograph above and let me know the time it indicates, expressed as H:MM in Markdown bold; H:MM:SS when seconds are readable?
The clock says **5:04**
